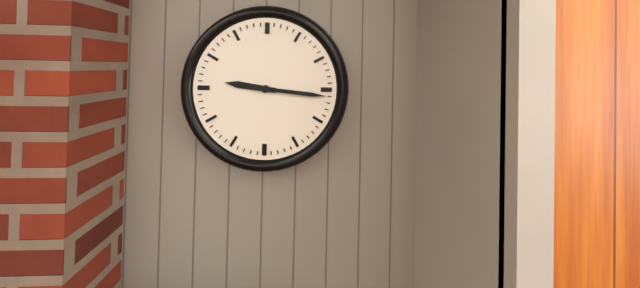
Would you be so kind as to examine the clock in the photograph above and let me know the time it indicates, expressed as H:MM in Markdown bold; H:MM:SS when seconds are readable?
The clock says **9:16**
